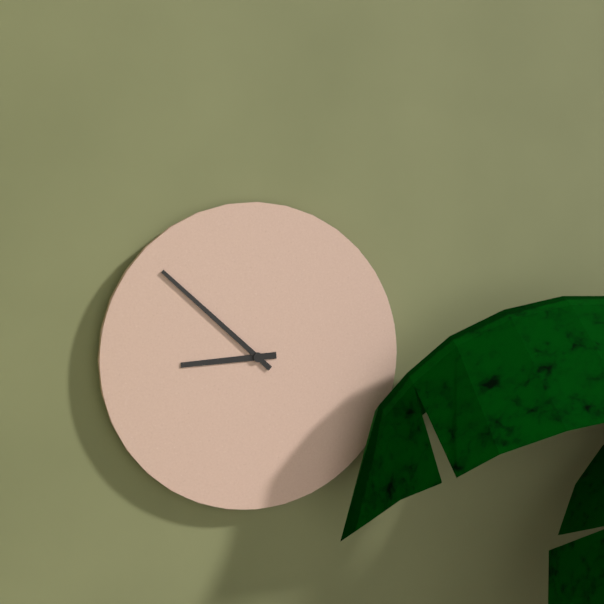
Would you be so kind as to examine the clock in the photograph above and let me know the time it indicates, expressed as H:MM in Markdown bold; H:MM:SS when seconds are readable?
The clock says **8:52**
